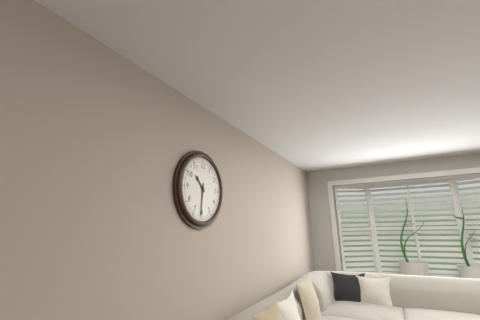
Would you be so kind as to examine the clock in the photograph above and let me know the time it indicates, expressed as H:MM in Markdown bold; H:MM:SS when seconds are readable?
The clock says **10:31**
